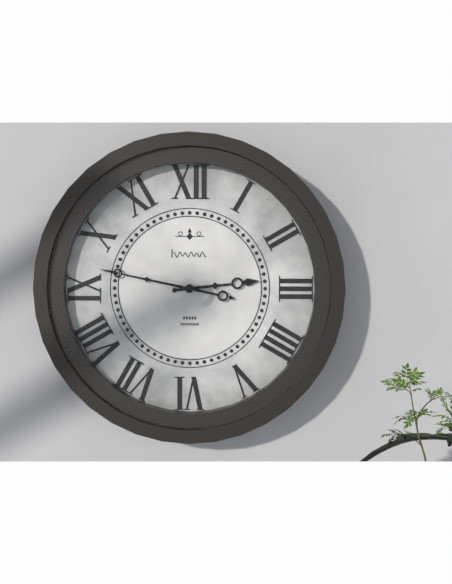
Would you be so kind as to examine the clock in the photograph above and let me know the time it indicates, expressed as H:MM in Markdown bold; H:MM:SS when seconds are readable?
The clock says **2:47**
